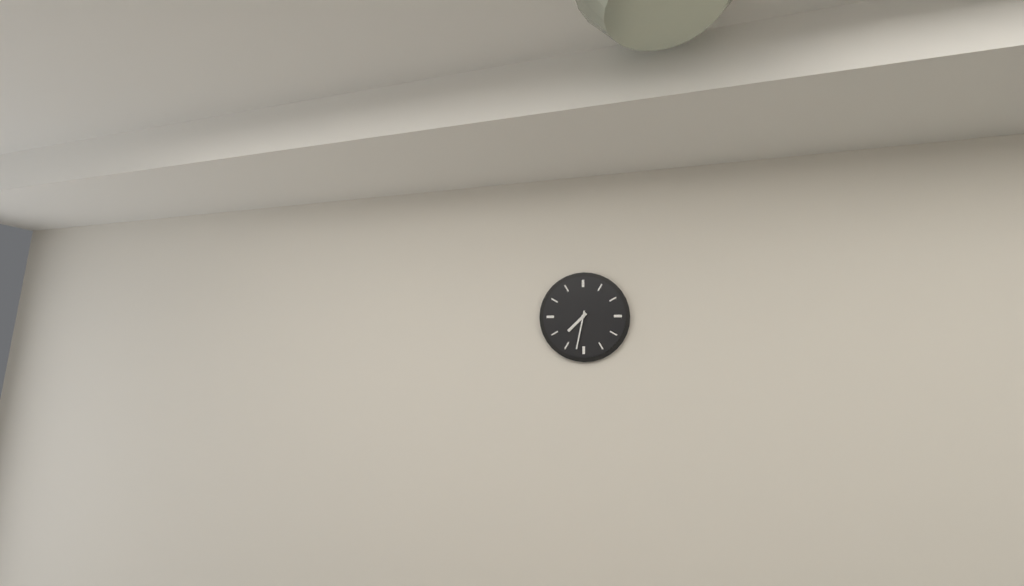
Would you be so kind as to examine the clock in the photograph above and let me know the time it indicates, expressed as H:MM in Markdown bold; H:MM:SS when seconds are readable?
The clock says **7:32**
